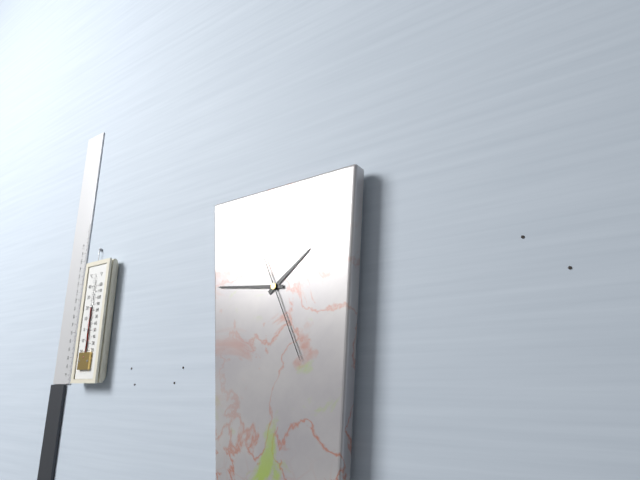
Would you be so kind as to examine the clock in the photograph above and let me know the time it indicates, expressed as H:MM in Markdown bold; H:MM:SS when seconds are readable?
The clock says **1:46:26**
